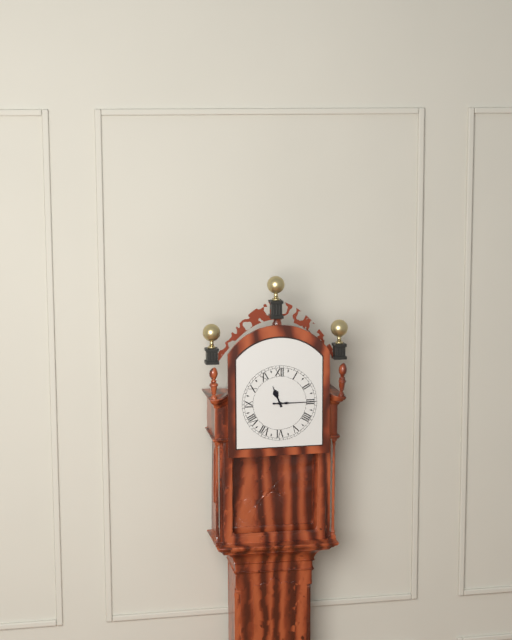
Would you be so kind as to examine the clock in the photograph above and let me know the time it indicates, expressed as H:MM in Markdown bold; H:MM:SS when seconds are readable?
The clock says **11:15**
